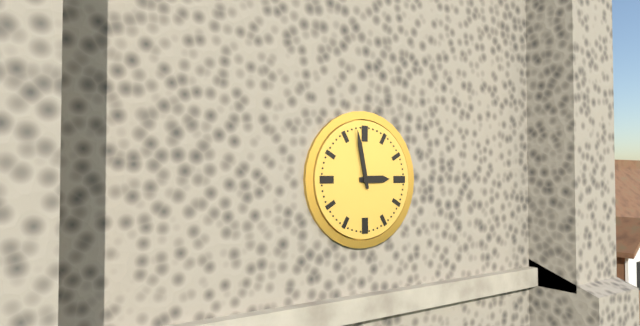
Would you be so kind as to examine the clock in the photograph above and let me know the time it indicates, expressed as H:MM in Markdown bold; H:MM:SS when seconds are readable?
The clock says **2:58**
